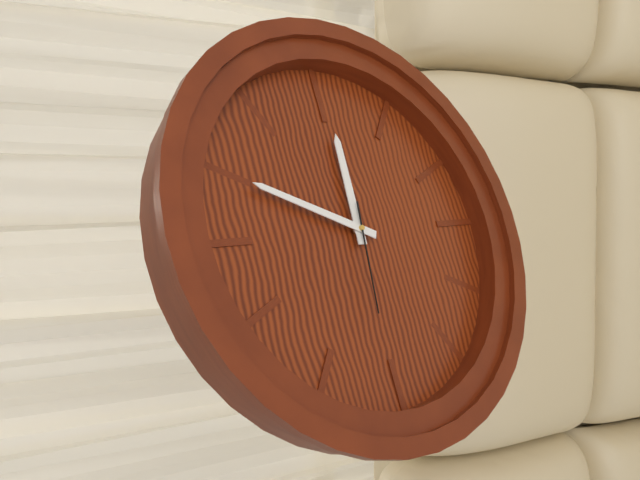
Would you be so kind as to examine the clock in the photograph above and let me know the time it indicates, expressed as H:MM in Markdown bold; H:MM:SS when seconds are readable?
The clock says **3:04:46**
